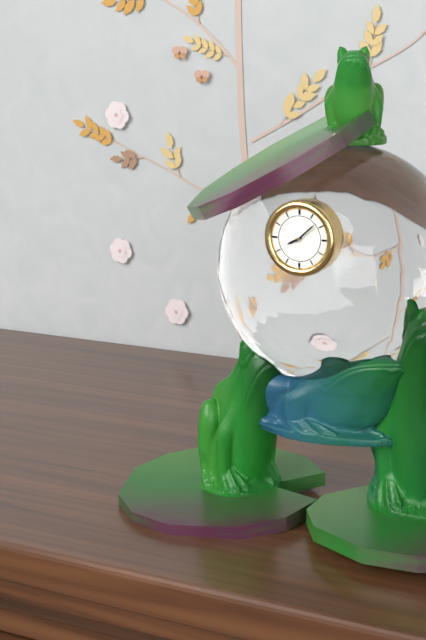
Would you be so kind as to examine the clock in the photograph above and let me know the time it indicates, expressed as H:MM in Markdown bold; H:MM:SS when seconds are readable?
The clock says **8:08**
